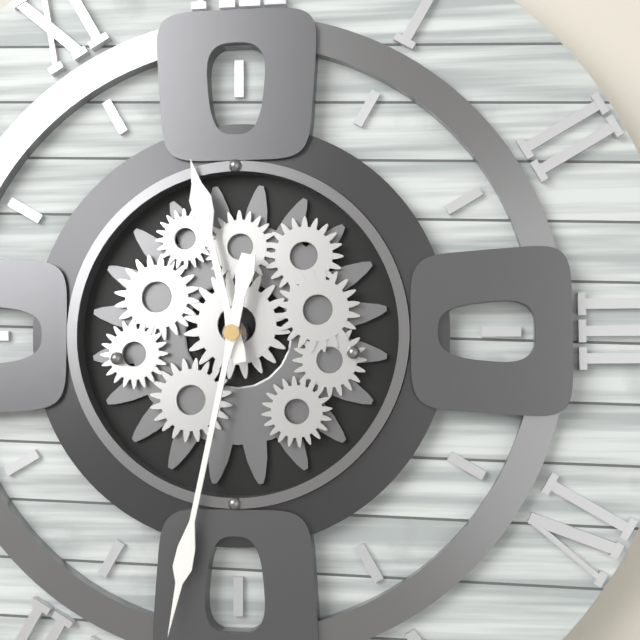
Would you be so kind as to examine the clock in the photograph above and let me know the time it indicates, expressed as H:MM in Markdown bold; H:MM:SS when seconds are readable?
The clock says **11:32**
